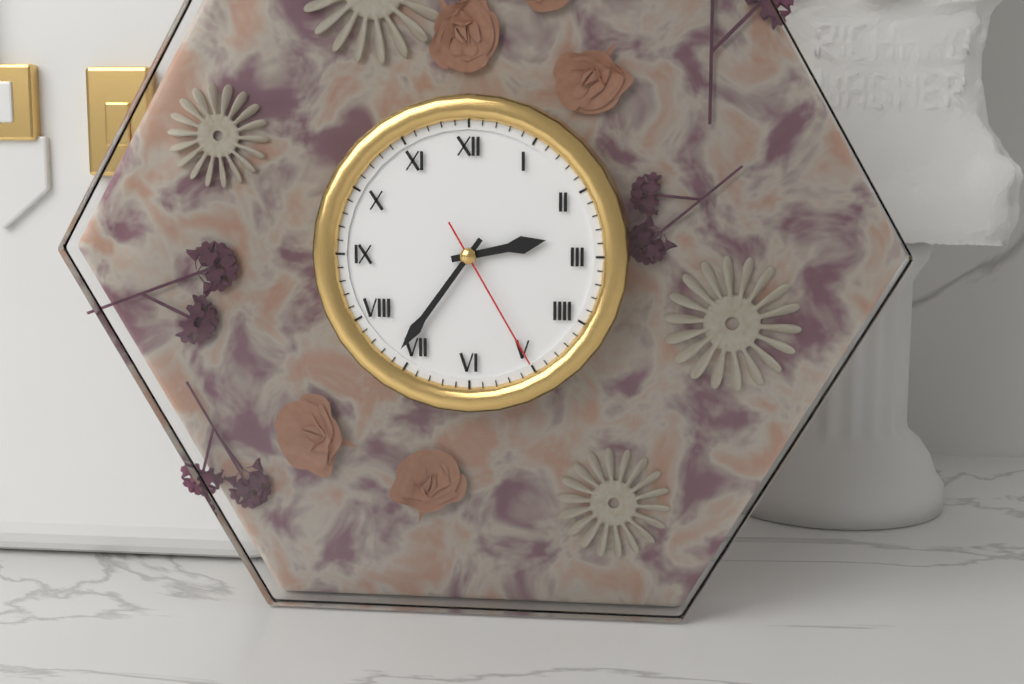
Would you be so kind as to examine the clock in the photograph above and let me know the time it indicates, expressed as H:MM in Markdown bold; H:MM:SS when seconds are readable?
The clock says **2:36:25**
